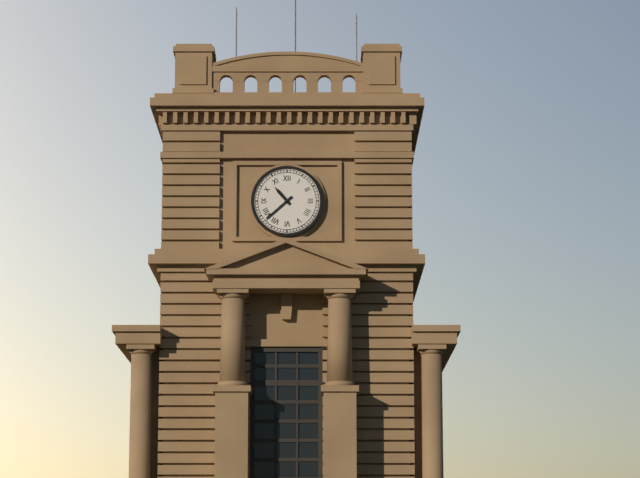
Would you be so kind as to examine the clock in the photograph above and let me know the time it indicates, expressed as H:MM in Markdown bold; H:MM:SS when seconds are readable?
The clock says **10:38**
